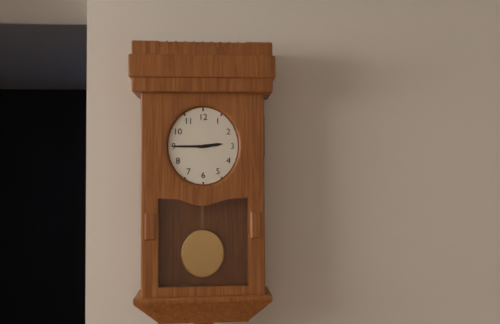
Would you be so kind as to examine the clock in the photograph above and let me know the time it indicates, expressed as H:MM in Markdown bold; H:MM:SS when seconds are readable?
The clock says **2:45**
